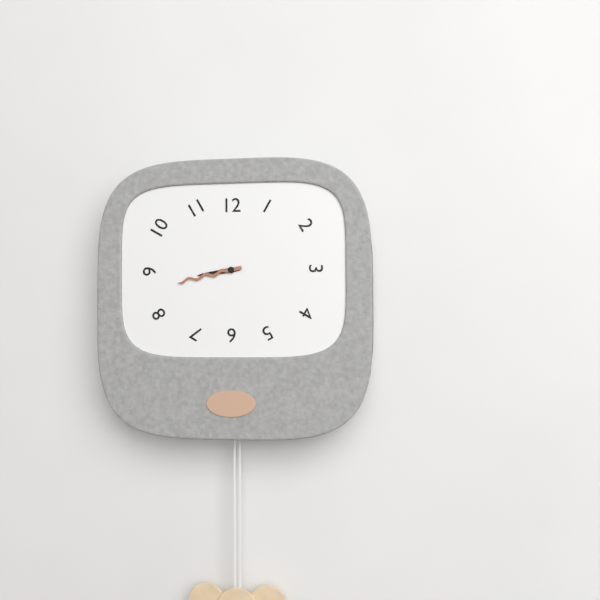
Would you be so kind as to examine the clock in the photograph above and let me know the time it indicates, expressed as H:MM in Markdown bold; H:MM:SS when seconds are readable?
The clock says **8:43**
